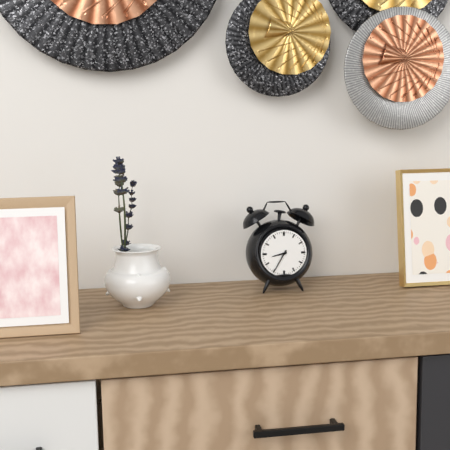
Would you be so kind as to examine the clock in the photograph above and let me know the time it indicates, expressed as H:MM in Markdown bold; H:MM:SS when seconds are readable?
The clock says **8:35**
